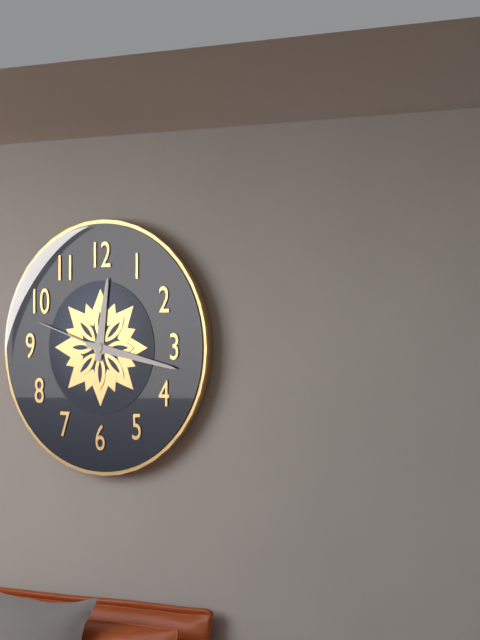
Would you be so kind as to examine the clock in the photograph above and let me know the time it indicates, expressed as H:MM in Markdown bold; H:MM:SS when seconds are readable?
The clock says **12:17:48**
